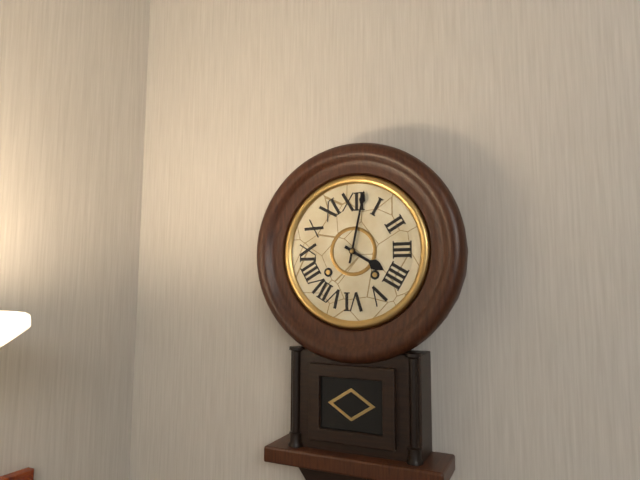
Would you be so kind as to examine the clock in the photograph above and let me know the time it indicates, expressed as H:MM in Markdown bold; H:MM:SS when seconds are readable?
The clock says **4:02**
